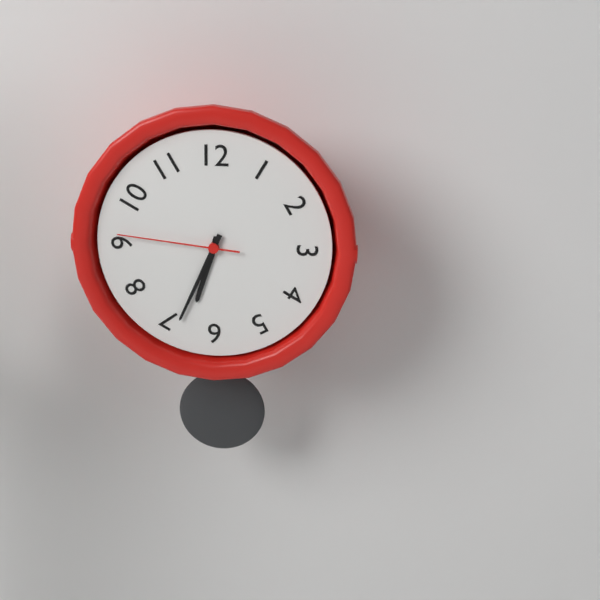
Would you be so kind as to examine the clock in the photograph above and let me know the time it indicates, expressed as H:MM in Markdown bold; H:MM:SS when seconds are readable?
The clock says **6:34:46**
